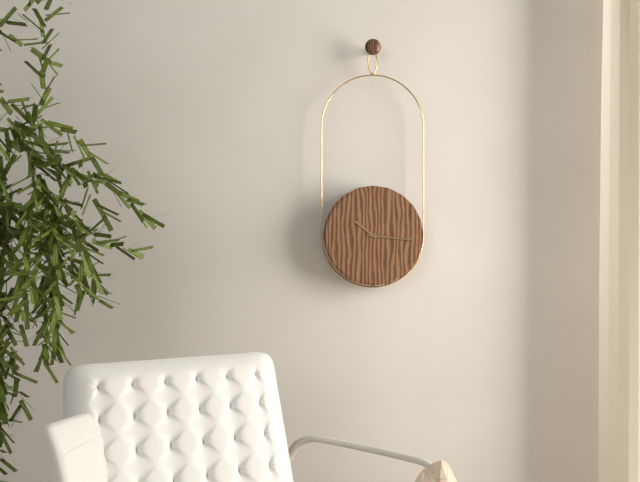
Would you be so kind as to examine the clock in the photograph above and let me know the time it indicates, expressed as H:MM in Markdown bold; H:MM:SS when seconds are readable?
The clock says **10:16**
